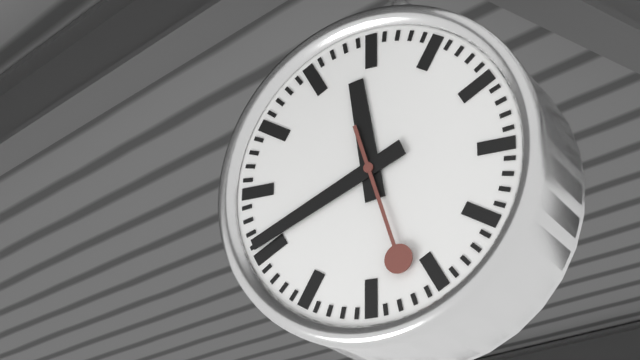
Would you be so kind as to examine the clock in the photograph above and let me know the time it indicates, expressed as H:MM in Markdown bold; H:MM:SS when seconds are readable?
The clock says **11:41:27**
